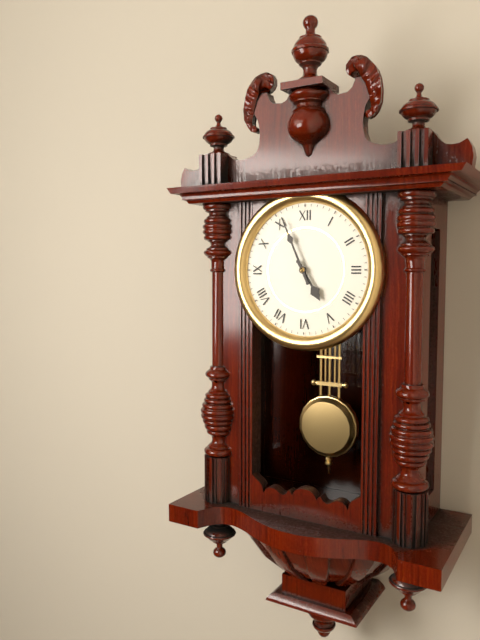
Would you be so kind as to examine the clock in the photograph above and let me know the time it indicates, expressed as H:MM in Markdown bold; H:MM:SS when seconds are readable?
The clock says **4:56**
